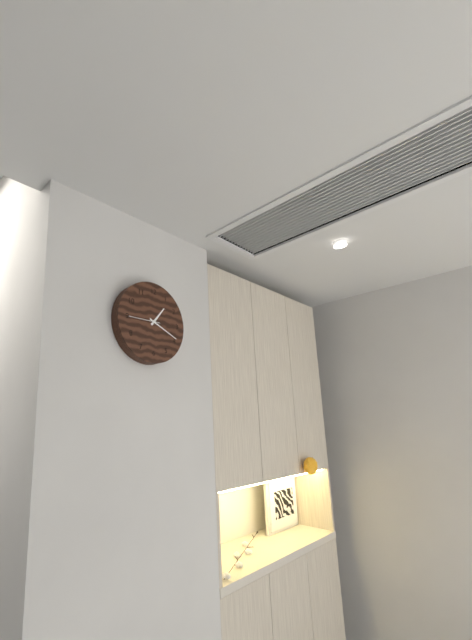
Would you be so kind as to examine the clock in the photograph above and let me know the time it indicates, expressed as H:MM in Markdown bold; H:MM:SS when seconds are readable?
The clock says **1:19**
